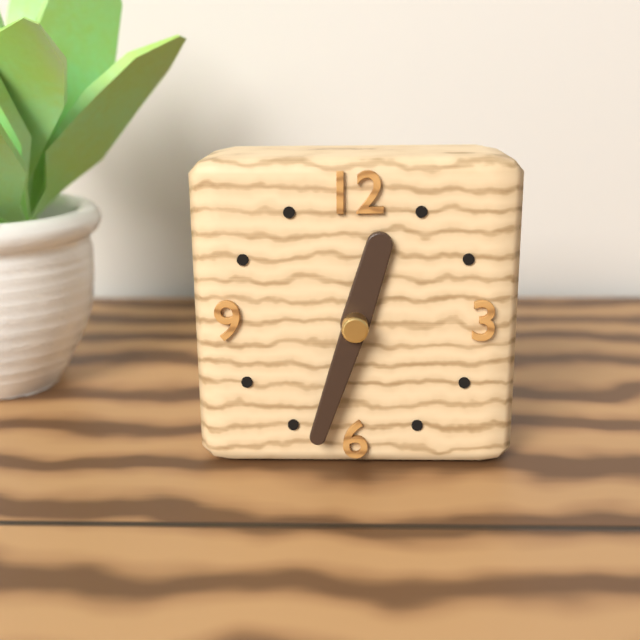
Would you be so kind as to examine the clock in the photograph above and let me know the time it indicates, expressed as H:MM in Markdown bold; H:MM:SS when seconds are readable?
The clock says **12:33**
